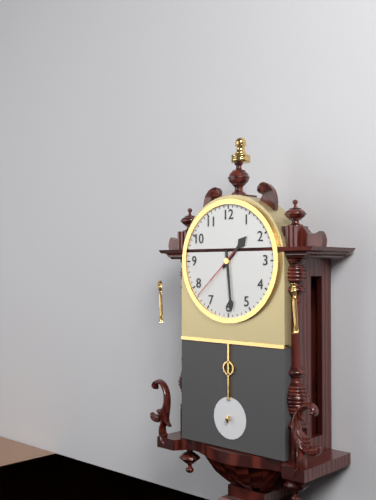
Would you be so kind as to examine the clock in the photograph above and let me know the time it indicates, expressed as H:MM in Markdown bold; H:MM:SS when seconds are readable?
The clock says **1:29:38**
